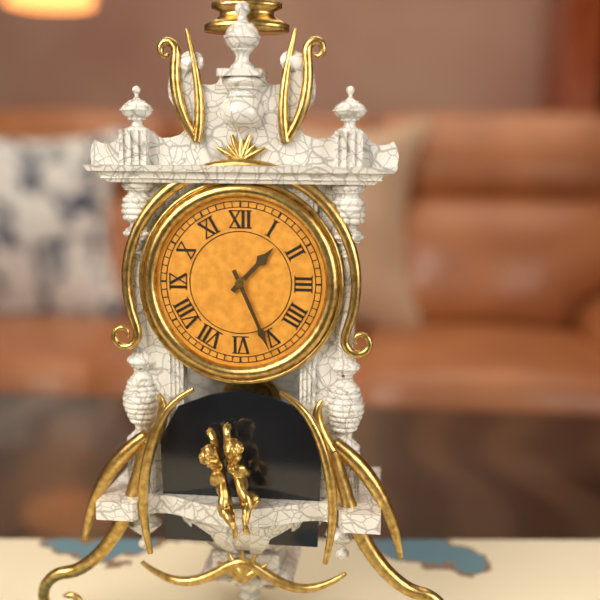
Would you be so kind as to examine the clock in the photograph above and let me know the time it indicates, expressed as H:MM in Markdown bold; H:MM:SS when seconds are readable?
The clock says **1:26**
